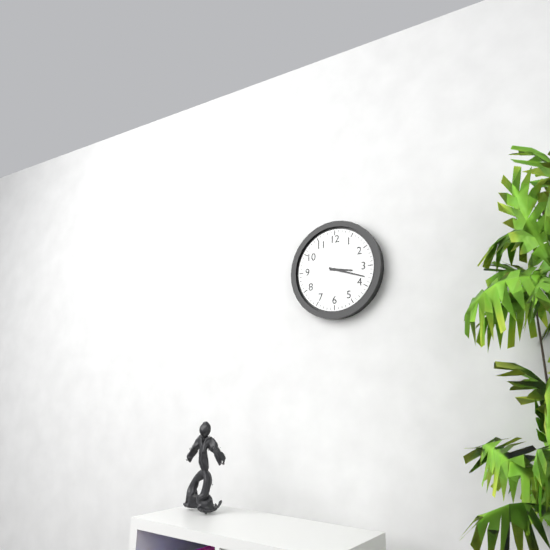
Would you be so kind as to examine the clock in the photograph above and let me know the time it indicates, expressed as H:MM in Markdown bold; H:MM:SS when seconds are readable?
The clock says **3:18**
